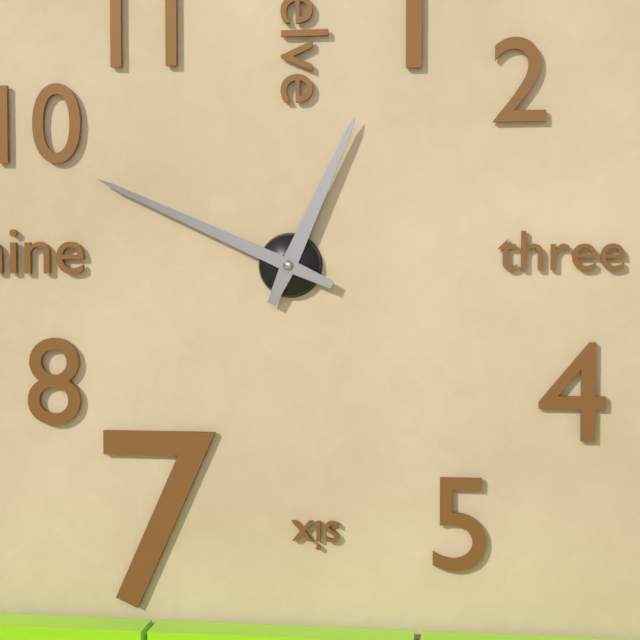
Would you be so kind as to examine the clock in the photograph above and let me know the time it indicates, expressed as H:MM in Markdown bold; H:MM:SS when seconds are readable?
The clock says **12:49**
